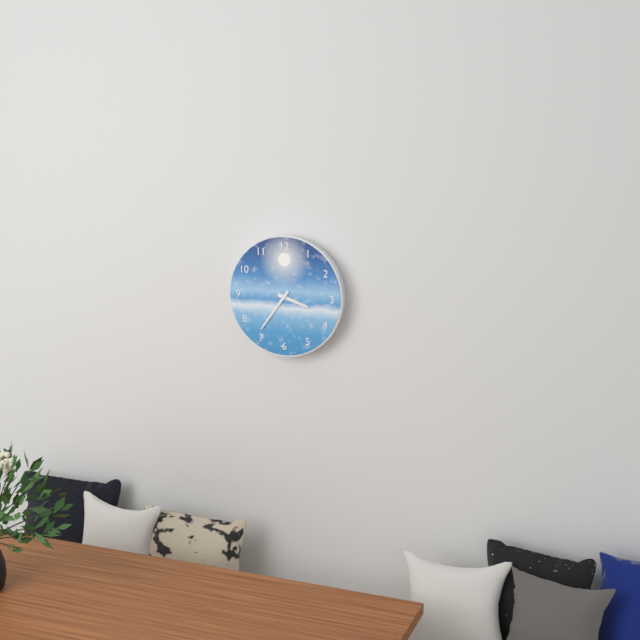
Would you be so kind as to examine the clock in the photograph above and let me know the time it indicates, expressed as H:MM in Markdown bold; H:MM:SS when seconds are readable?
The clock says **3:36**
